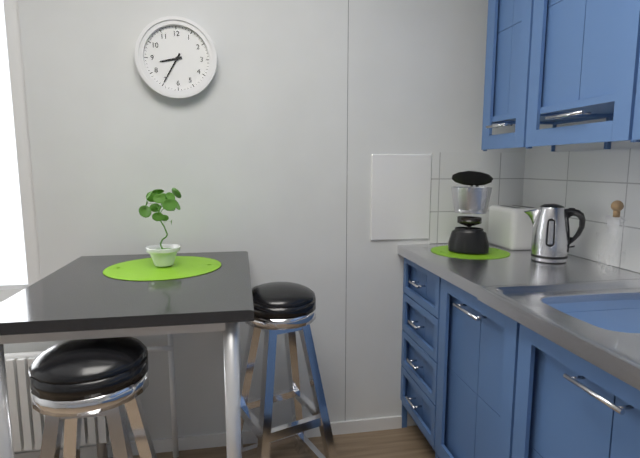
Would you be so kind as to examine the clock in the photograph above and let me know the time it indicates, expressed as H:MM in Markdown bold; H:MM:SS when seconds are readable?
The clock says **8:35**
